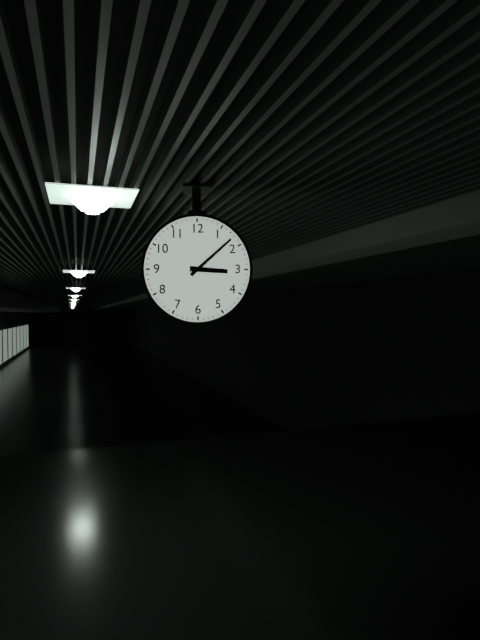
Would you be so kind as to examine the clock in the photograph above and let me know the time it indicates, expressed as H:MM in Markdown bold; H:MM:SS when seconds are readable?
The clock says **3:08**
